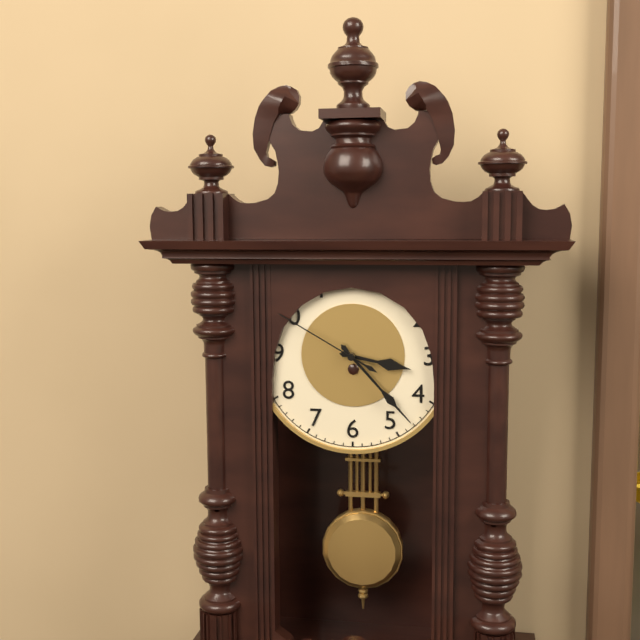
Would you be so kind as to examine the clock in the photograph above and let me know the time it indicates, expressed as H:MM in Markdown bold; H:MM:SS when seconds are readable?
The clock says **3:23:50**
